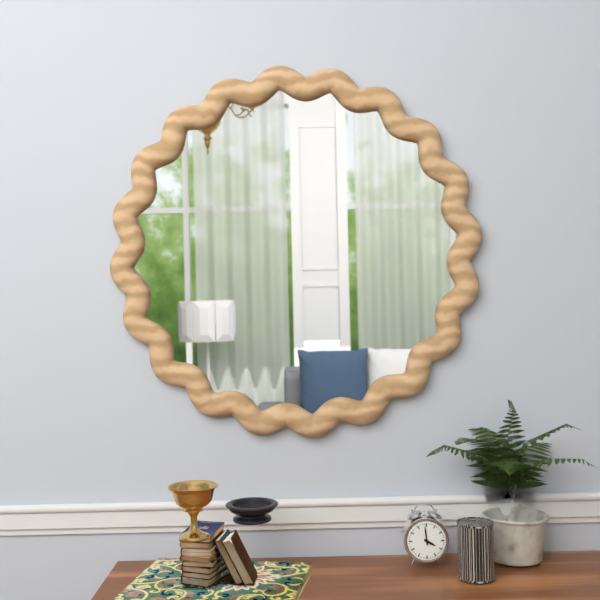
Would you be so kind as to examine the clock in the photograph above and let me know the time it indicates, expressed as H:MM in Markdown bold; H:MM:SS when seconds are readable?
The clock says **3:59**
